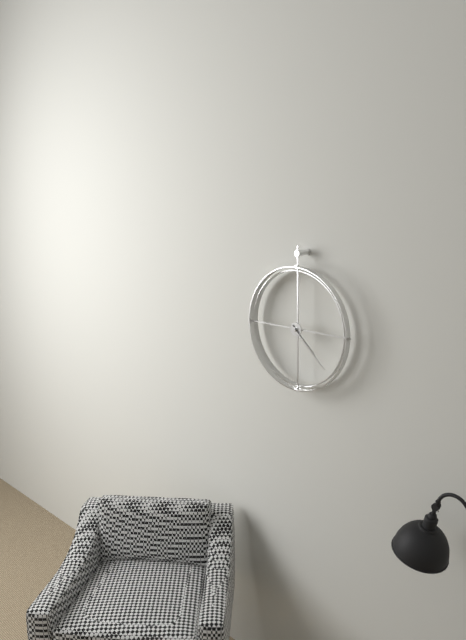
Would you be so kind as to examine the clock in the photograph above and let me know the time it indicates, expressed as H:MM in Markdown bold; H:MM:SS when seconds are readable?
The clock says **4:22**
